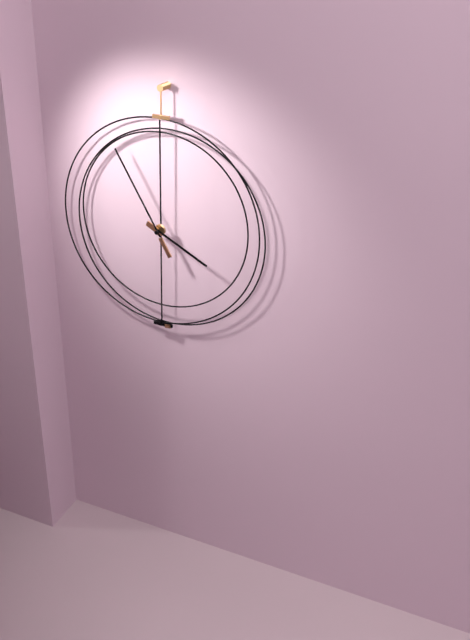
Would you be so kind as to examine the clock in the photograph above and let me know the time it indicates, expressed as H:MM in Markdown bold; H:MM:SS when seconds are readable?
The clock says **3:55**
